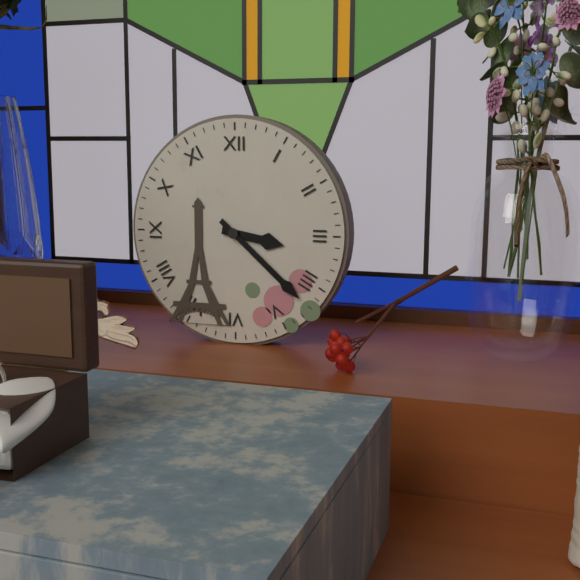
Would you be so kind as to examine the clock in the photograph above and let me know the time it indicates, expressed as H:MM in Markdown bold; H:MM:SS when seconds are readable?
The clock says **3:22**
